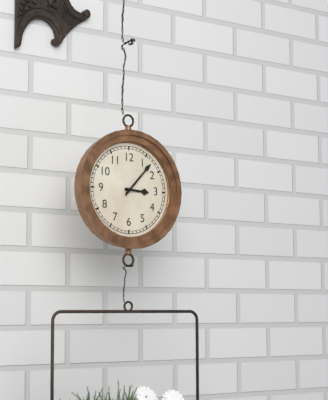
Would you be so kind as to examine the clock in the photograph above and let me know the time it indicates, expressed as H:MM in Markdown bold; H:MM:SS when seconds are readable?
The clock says **3:07**
